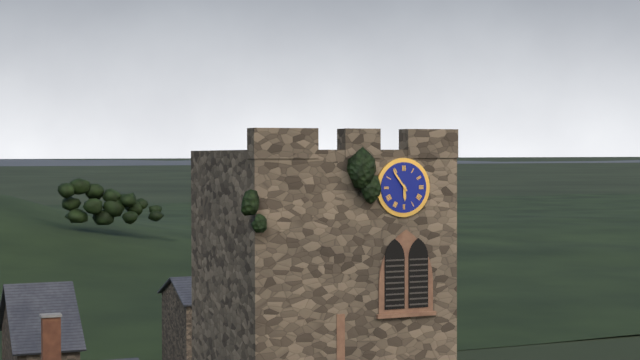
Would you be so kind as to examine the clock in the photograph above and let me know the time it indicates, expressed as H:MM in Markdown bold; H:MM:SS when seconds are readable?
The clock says **5:54**
